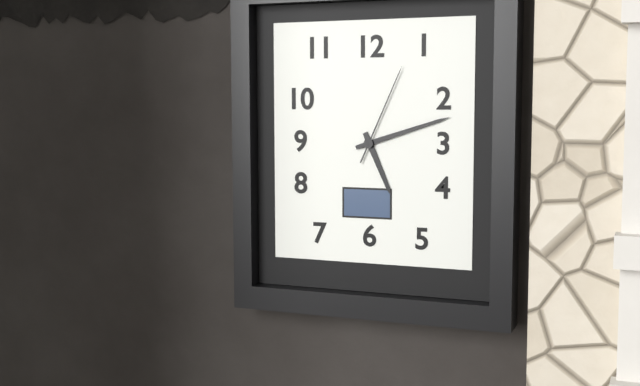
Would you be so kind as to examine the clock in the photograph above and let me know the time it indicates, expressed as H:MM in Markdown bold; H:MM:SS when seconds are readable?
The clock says **5:12:04**
